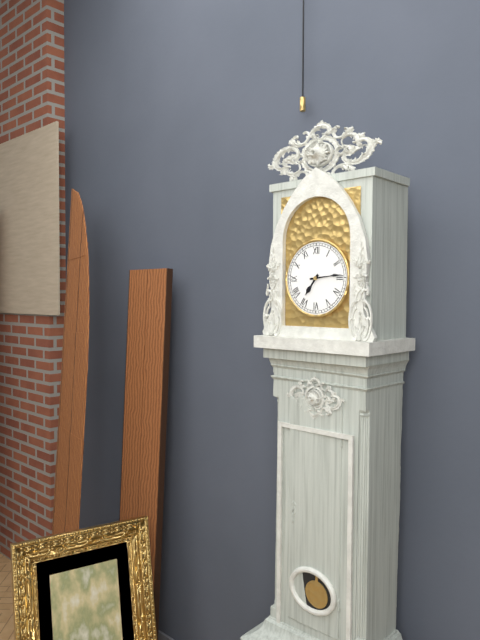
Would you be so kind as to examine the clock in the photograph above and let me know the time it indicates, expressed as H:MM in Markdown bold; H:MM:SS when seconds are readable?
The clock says **7:14**
